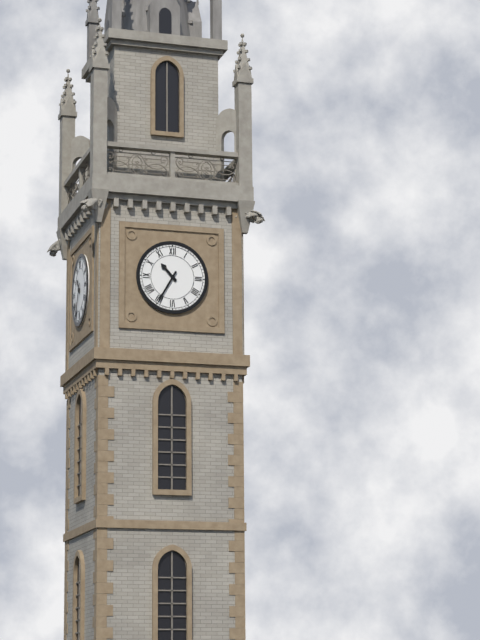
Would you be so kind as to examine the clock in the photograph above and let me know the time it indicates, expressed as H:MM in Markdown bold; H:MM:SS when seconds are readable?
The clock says **10:35**
